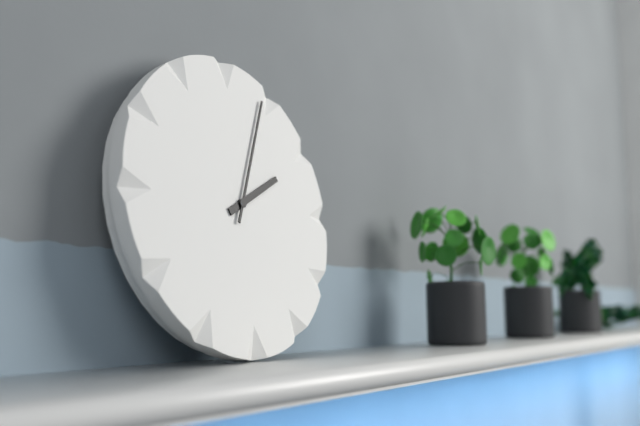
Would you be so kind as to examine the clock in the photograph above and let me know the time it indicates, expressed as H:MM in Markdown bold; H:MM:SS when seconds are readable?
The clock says **2:04**
